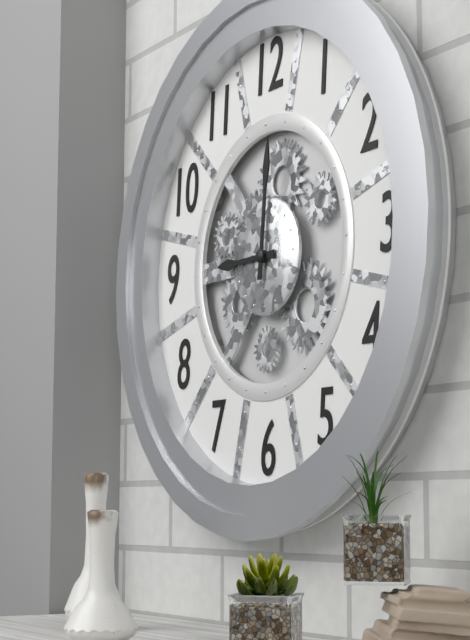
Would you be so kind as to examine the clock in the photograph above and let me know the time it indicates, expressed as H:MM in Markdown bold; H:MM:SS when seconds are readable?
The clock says **9:01**
